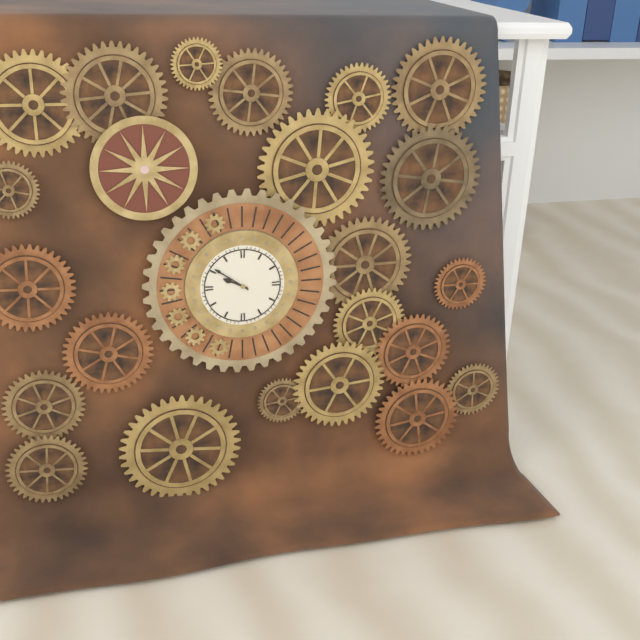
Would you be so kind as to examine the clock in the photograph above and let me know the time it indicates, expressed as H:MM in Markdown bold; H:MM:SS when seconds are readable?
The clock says **9:51**
